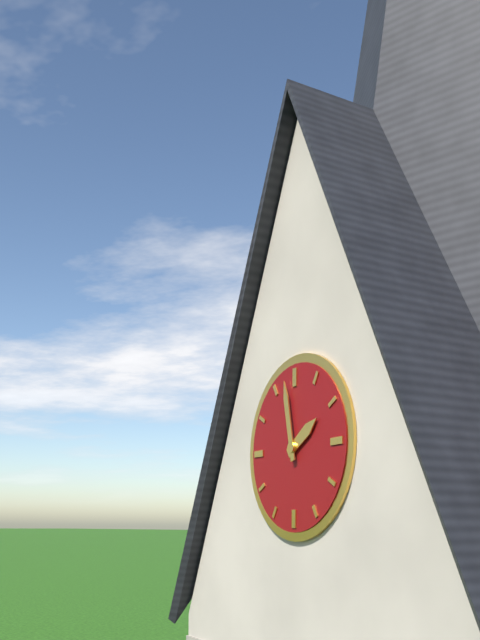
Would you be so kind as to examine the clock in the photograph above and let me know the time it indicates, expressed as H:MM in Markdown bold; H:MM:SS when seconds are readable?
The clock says **1:58**
